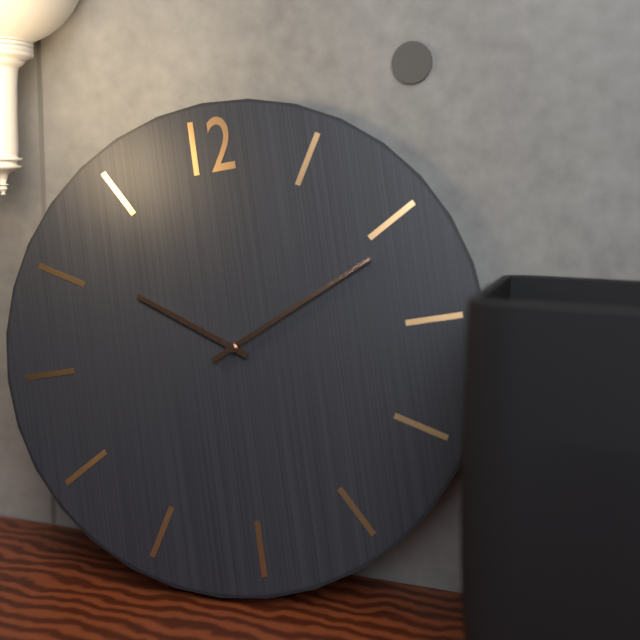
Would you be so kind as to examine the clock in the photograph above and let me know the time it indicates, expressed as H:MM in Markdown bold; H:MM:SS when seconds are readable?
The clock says **10:11**
